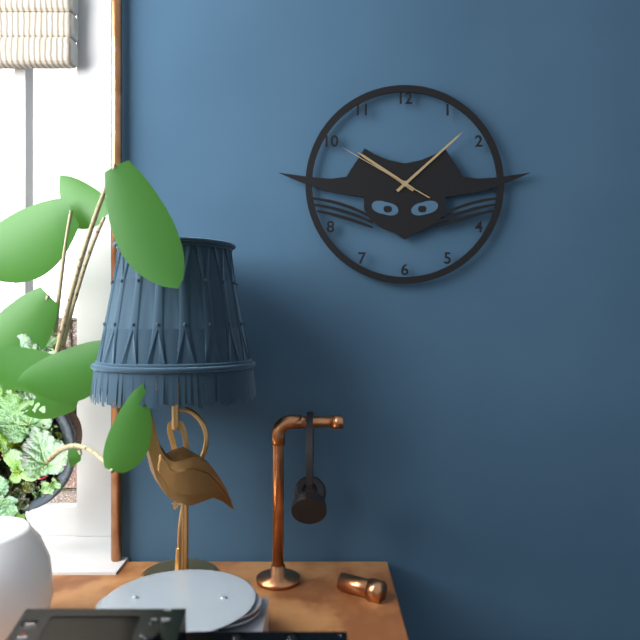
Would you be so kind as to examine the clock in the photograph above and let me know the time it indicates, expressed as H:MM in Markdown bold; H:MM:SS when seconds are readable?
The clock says **10:08:50**
